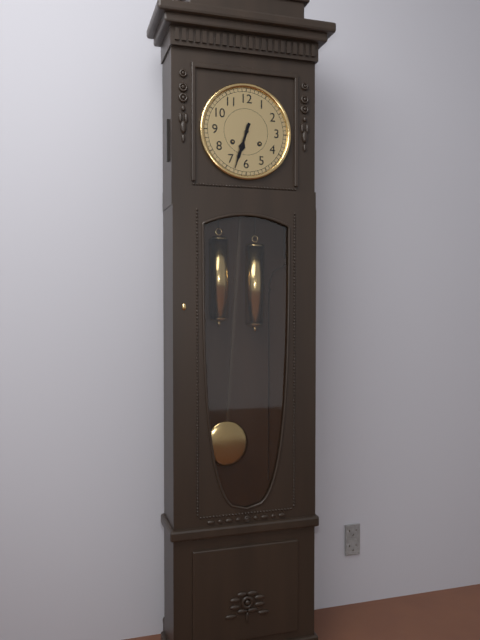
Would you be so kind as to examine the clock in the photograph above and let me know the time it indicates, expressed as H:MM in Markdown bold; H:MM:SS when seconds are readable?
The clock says **6:33**
